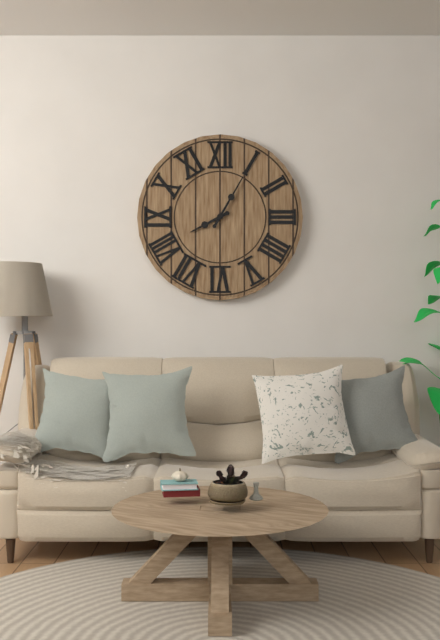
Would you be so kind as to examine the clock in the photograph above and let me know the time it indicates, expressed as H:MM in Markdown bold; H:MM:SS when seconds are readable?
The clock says **8:05**
